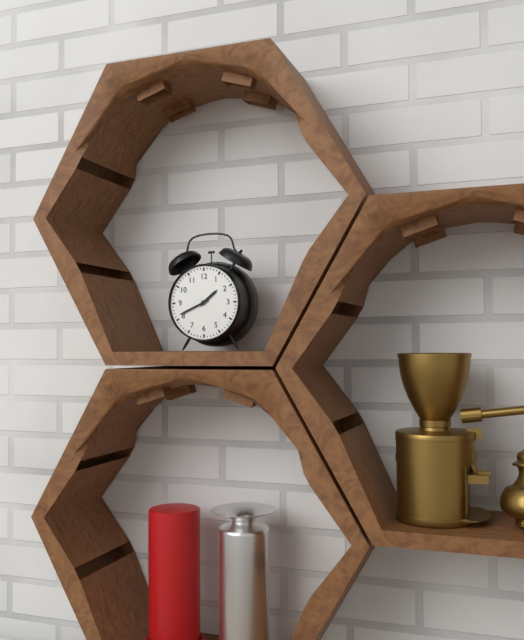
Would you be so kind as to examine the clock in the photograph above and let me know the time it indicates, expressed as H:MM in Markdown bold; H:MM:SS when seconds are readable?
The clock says **1:41**
